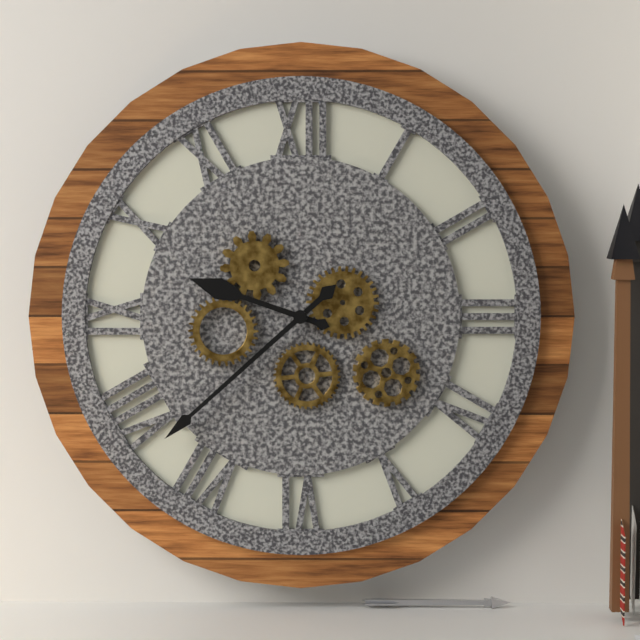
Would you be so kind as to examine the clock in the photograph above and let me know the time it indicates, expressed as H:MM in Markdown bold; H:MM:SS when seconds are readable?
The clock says **9:38**
